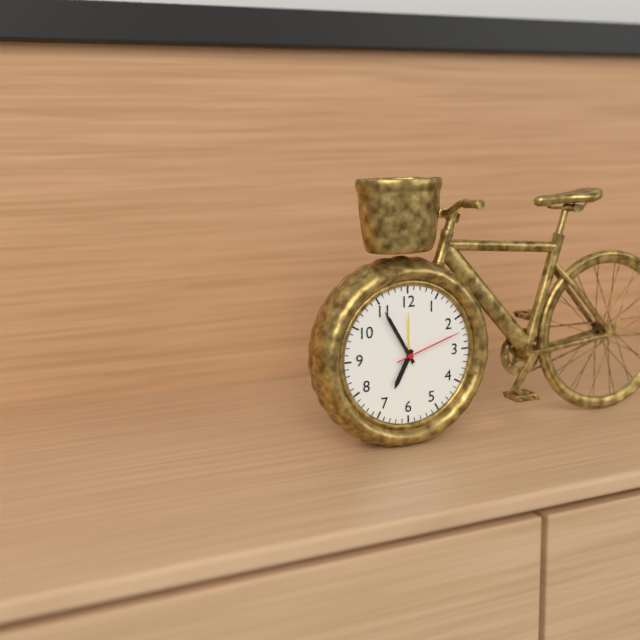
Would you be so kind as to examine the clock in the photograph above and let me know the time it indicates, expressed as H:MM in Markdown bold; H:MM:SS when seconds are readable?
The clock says **6:55:12**
